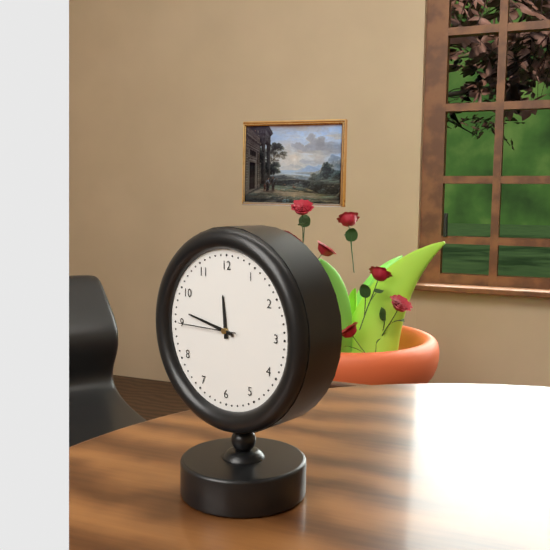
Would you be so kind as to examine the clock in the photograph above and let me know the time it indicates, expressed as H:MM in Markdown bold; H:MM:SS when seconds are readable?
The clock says **11:47:45**
